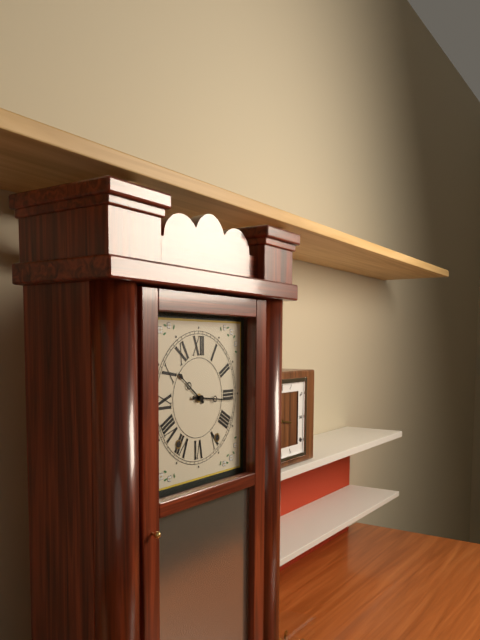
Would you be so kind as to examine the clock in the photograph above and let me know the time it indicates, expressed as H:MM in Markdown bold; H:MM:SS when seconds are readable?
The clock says **10:16**
